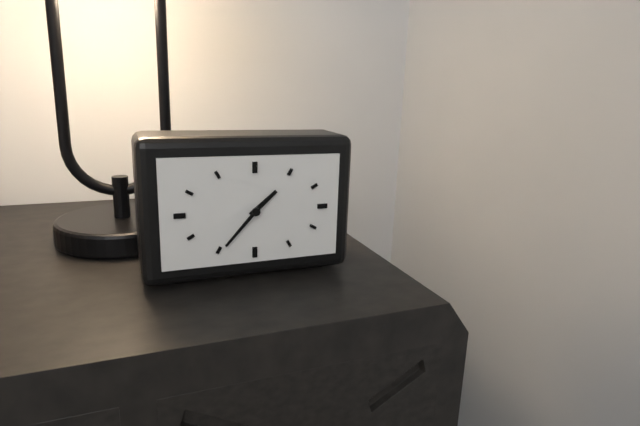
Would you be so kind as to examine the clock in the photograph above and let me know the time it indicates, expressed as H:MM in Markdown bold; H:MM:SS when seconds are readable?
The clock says **1:37**
